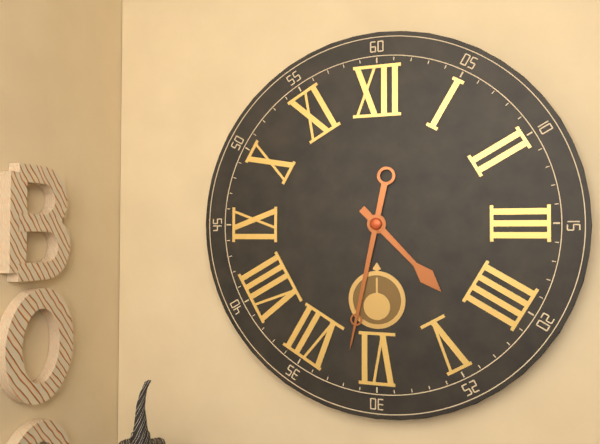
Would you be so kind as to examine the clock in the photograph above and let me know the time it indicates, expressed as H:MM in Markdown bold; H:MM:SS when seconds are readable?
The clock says **4:32**
